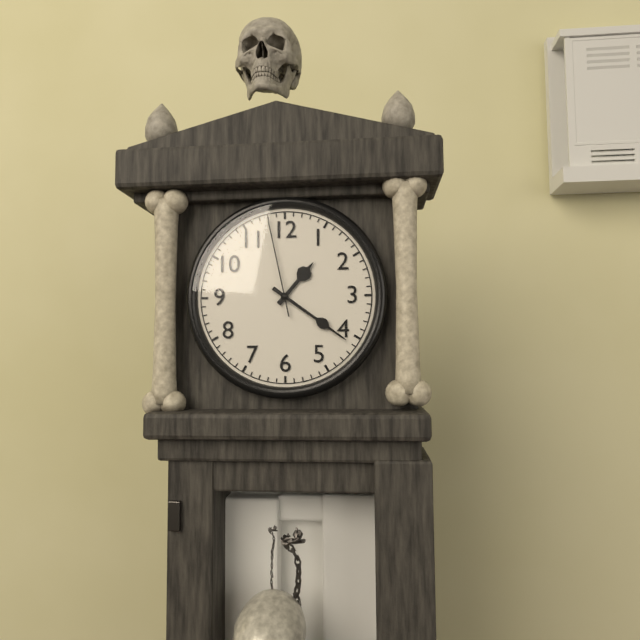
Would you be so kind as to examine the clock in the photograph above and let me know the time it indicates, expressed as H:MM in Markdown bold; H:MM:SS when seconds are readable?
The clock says **1:21:58**
